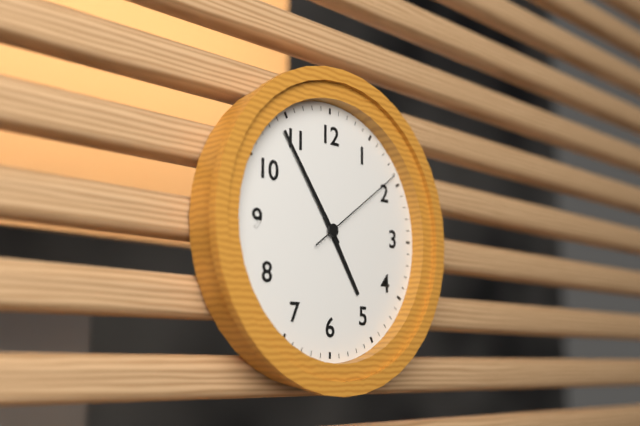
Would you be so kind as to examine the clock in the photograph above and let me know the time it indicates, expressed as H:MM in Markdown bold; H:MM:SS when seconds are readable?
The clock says **4:54:09**
